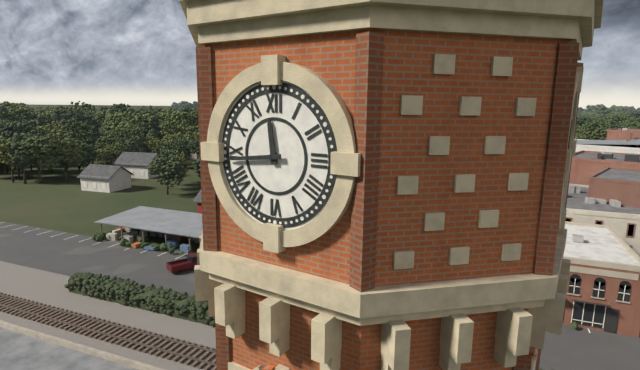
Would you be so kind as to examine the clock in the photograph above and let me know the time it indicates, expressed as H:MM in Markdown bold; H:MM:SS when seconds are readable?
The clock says **11:44**
